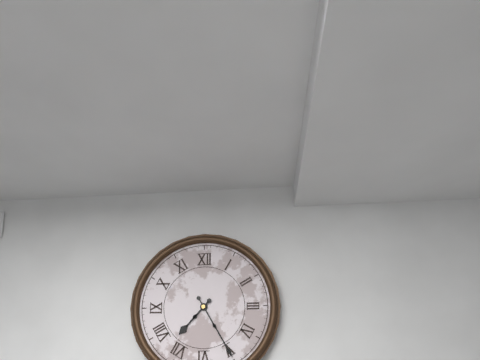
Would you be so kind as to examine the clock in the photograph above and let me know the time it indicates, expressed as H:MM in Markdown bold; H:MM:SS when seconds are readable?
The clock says **7:25**
